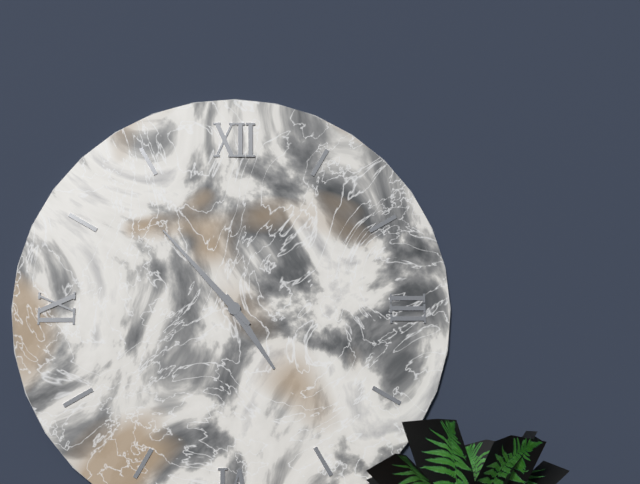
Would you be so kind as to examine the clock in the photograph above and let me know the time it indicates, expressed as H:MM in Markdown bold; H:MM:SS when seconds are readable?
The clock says **4:53**
